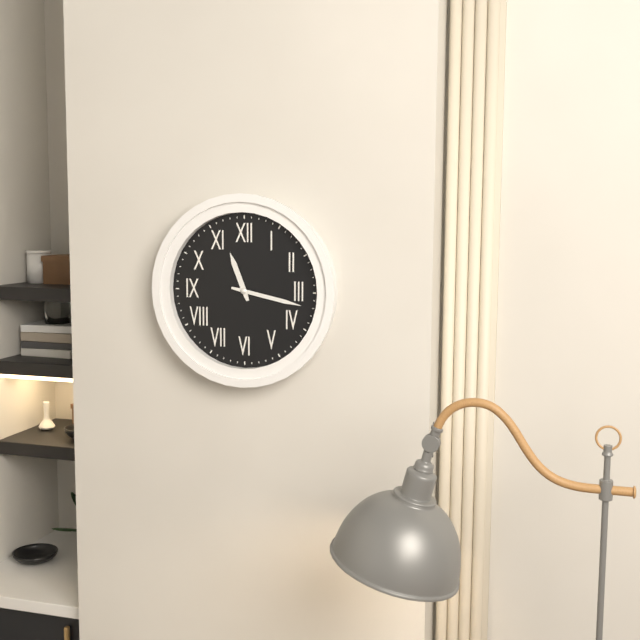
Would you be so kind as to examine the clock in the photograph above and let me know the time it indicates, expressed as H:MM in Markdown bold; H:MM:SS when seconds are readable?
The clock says **11:17**
